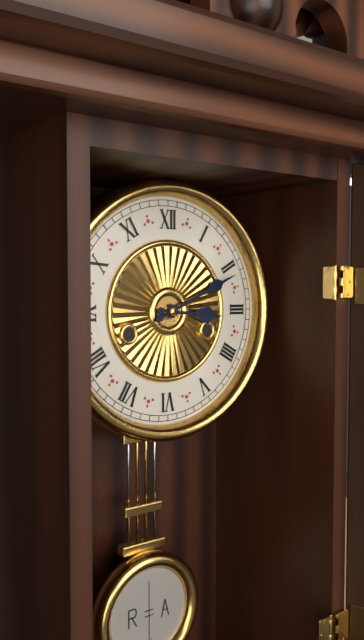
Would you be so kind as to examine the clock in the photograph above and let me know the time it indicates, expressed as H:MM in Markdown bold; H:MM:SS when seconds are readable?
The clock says **3:11**
